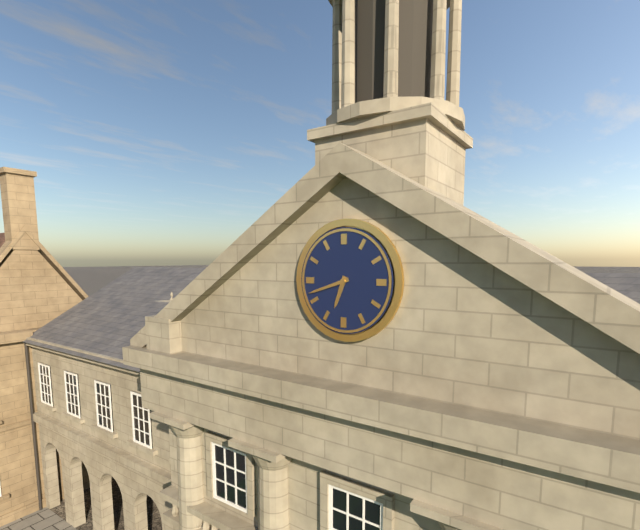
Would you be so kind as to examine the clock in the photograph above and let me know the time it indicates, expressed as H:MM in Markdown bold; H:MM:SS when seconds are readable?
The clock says **6:42**
